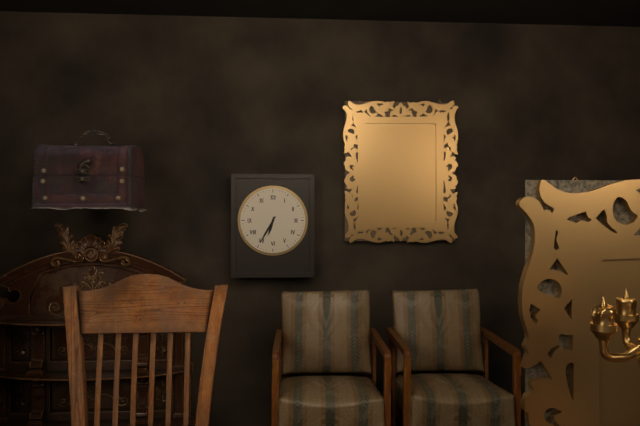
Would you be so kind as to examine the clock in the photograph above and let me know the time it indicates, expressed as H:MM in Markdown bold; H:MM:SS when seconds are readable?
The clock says **6:35**
